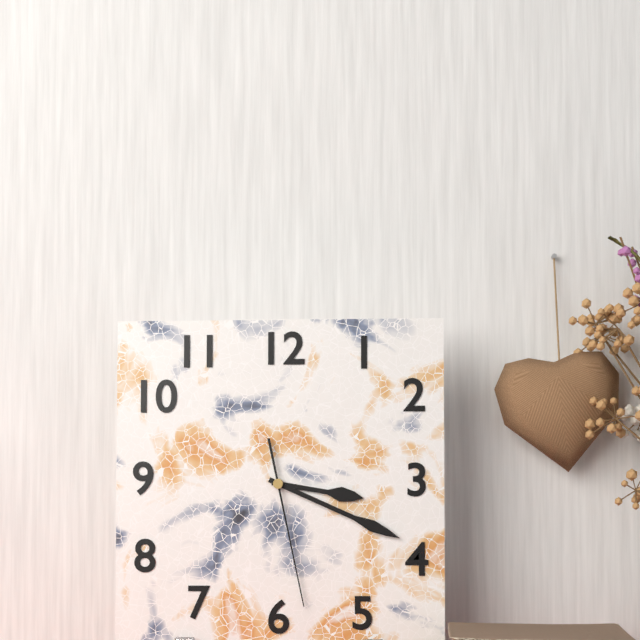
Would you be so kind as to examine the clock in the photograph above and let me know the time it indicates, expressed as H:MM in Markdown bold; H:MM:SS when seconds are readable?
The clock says **3:19:28**
